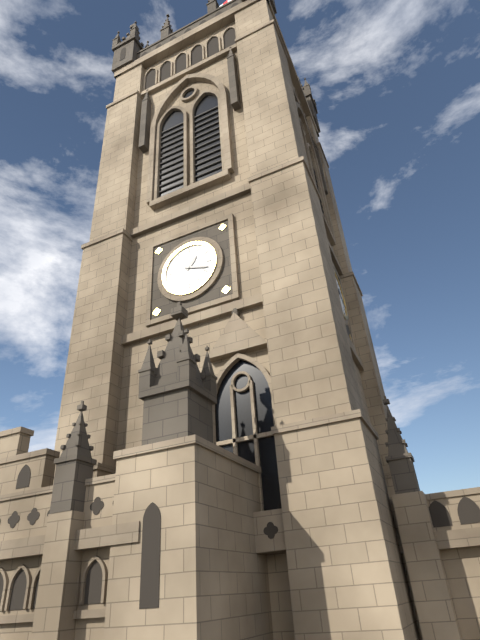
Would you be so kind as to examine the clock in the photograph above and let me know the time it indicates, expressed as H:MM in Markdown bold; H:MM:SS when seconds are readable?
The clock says **1:18**
